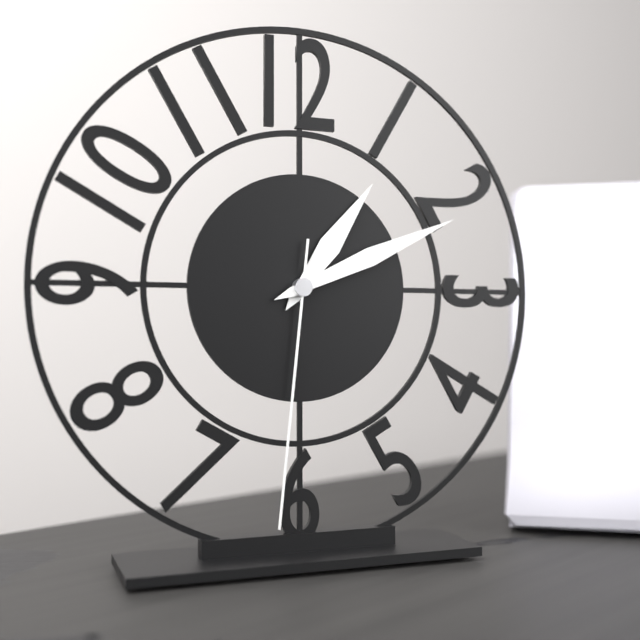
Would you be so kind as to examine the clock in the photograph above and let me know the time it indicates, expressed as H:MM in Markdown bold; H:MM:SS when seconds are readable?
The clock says **1:11:31**
